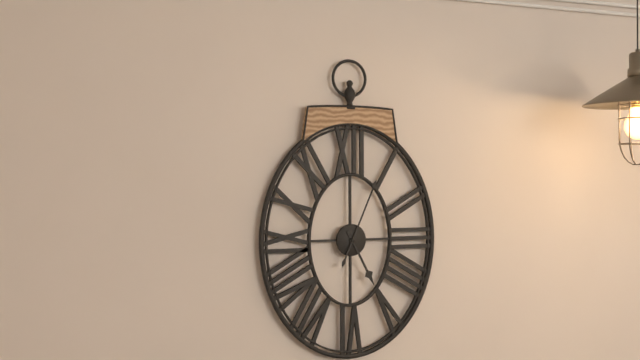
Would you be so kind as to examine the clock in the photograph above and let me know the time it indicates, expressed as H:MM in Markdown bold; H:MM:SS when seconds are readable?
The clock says **5:04**
